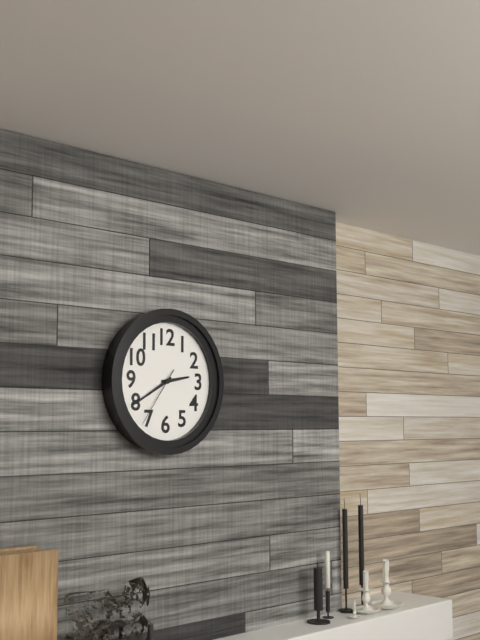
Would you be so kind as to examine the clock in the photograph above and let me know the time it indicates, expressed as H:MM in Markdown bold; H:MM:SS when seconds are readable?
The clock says **2:40:36**
